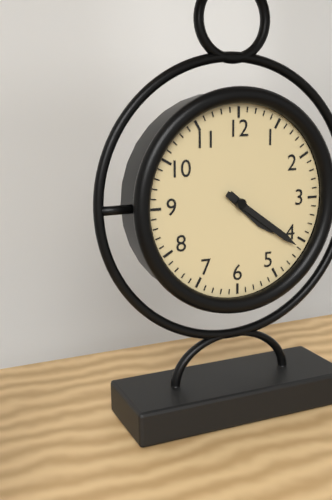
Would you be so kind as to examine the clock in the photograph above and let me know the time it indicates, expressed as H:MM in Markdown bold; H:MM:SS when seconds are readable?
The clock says **4:21**
